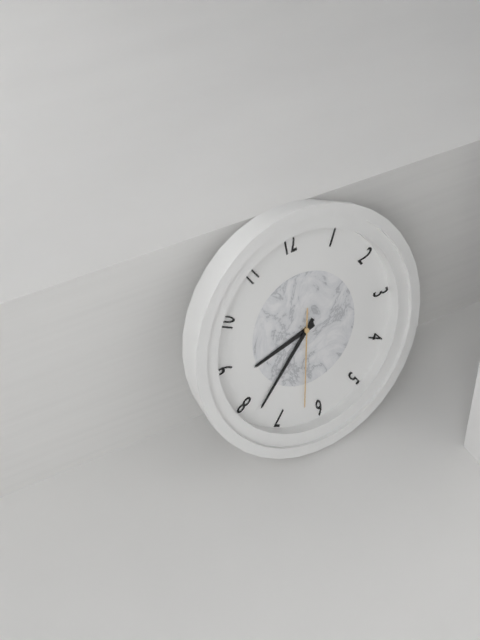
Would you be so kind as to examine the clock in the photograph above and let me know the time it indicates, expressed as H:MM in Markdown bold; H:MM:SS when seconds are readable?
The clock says **8:38:32**
